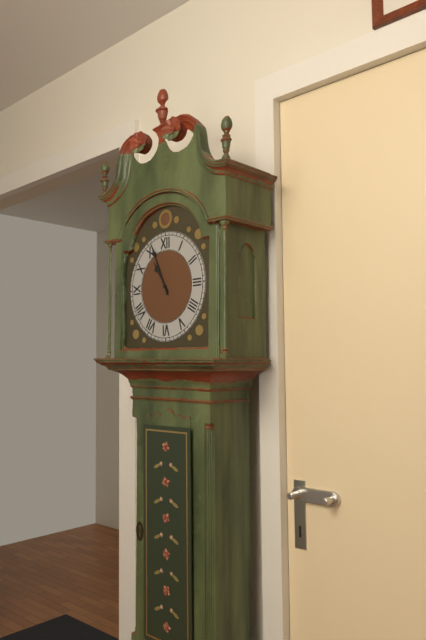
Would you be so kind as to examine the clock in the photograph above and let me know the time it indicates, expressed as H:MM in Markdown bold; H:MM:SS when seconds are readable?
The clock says **10:56**
